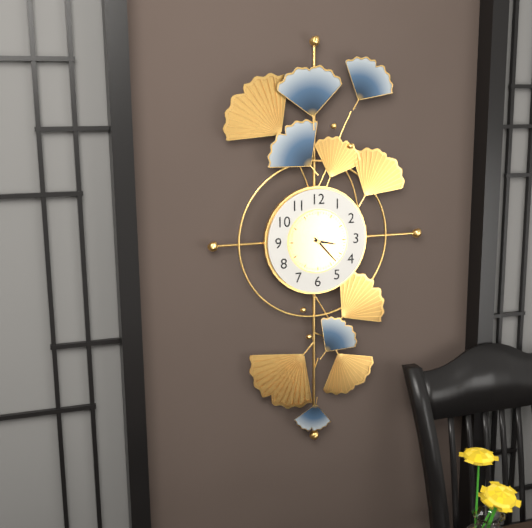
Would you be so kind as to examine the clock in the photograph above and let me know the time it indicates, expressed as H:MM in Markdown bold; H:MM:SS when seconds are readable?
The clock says **3:23**
